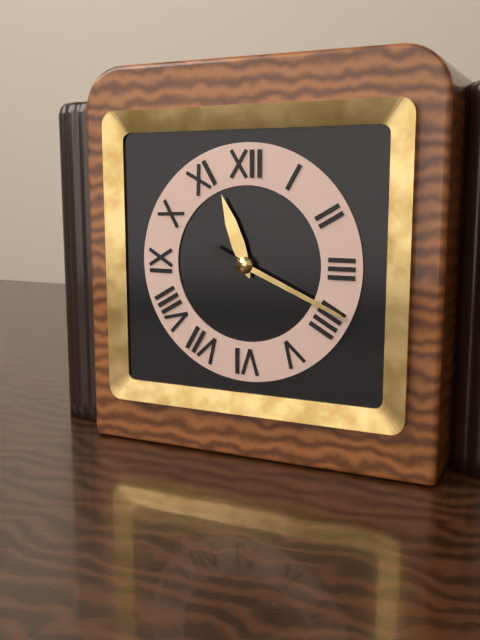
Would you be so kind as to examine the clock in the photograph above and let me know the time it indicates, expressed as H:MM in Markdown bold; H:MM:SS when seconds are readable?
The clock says **11:19**
